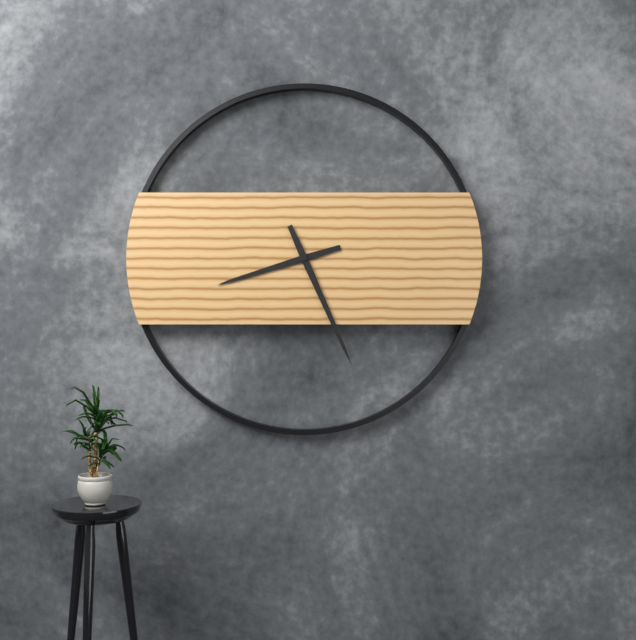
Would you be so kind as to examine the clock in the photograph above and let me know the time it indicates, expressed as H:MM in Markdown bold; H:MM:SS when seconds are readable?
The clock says **8:26**
